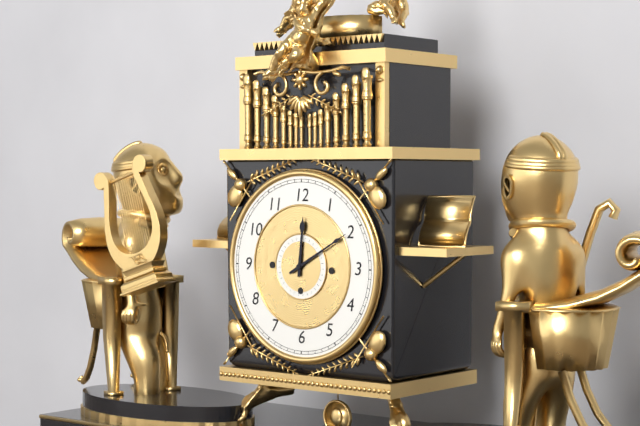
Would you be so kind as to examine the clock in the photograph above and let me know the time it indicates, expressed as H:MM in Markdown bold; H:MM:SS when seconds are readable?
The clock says **12:10**
